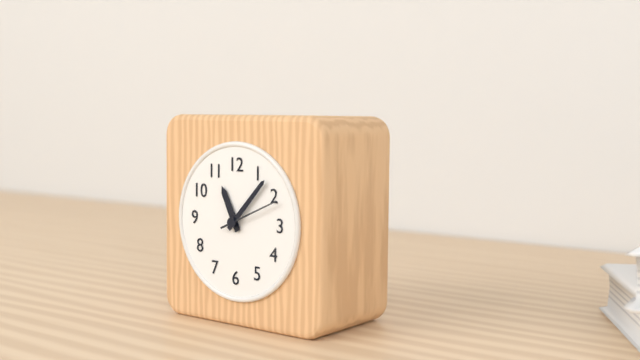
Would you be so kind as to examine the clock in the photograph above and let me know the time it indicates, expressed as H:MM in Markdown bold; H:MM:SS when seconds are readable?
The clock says **11:07:11**
